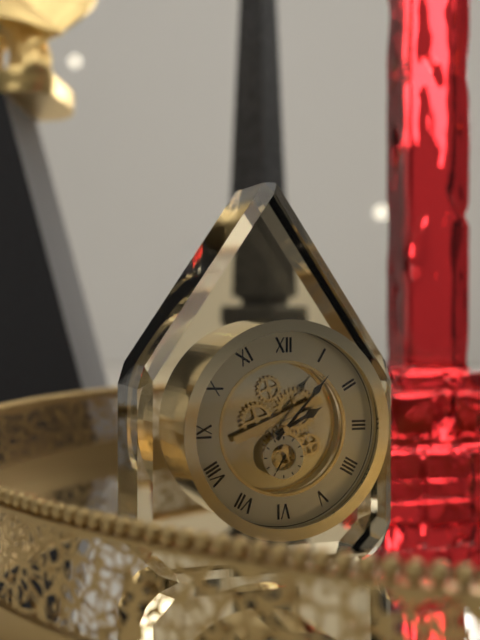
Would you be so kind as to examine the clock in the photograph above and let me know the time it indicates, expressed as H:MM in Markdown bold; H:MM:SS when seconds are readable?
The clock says **2:07**
